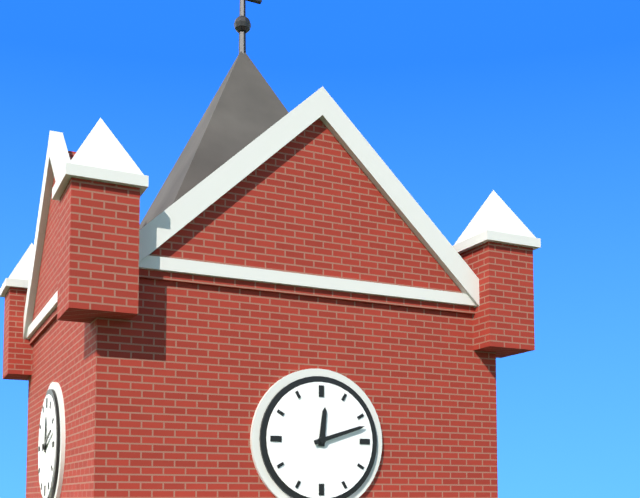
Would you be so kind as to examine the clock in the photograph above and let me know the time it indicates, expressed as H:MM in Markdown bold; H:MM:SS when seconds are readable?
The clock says **12:12**
